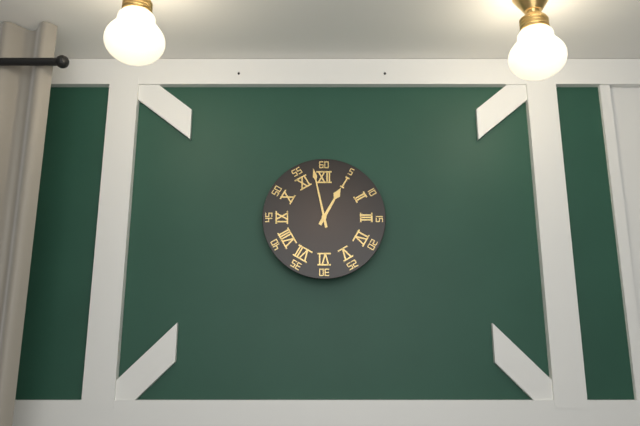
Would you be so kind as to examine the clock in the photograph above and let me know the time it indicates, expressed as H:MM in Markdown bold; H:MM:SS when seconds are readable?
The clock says **12:58**
